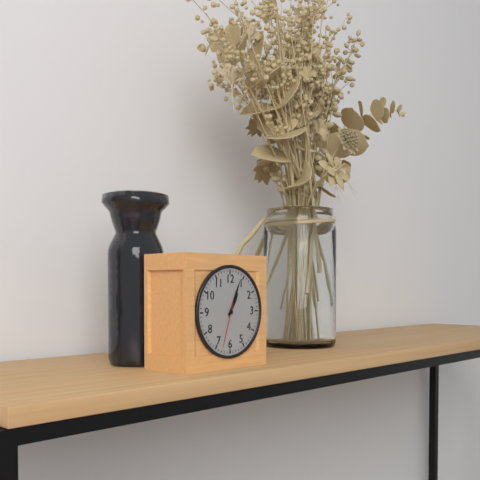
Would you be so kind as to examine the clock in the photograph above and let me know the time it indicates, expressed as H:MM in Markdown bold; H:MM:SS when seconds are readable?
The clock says **1:04**
